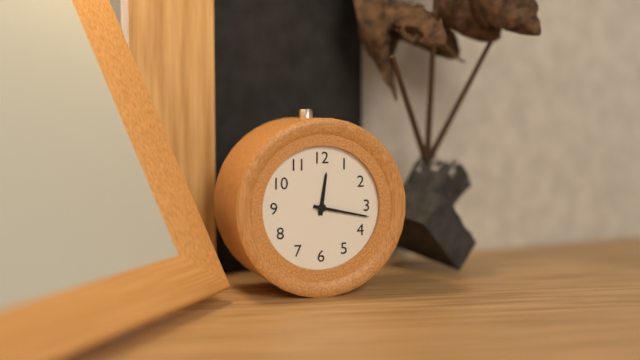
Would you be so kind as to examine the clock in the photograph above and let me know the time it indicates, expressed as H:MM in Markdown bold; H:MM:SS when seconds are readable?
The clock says **12:17**
